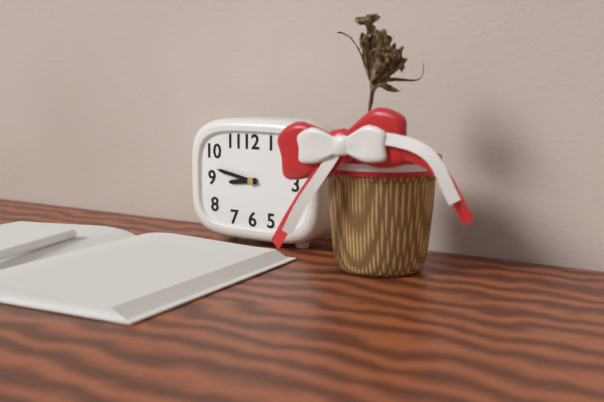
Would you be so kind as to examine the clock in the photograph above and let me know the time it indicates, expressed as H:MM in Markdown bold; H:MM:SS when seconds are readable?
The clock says **8:47**
